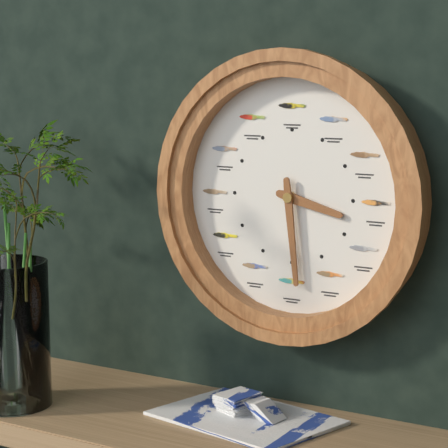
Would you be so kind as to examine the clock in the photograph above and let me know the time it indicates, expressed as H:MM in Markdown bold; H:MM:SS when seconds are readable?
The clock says **3:29**
